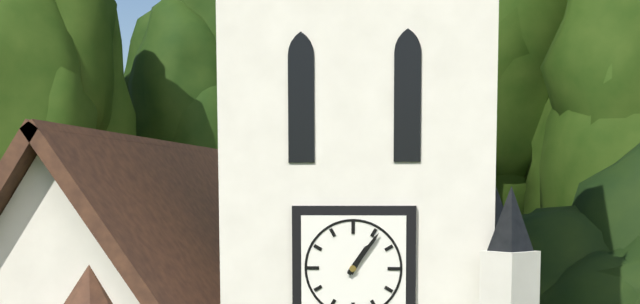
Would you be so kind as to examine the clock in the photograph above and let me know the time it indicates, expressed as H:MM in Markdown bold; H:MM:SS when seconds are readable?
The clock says **1:06**
